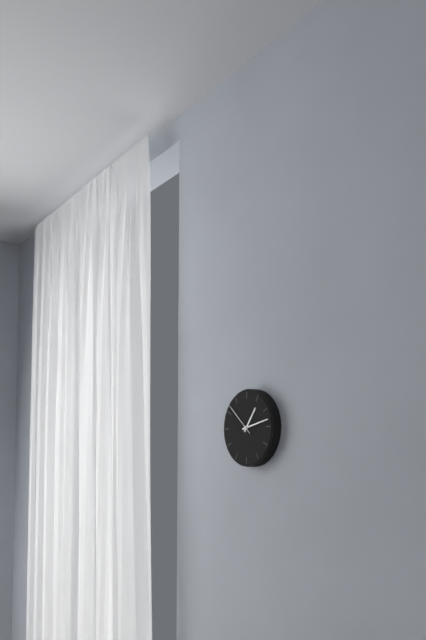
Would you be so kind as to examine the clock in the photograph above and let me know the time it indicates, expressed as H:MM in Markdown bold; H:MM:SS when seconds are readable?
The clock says **1:13**
